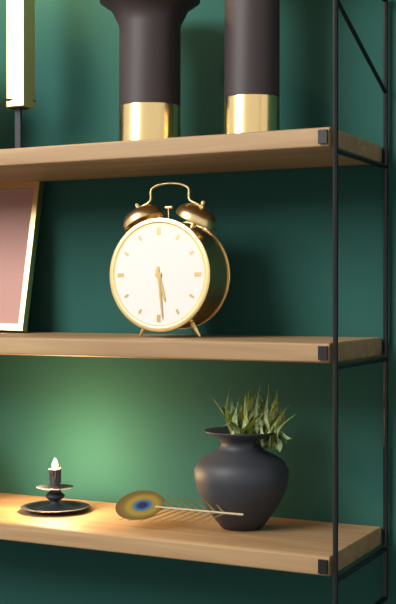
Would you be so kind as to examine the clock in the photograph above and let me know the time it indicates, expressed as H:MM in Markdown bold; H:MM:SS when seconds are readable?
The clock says **5:29**
